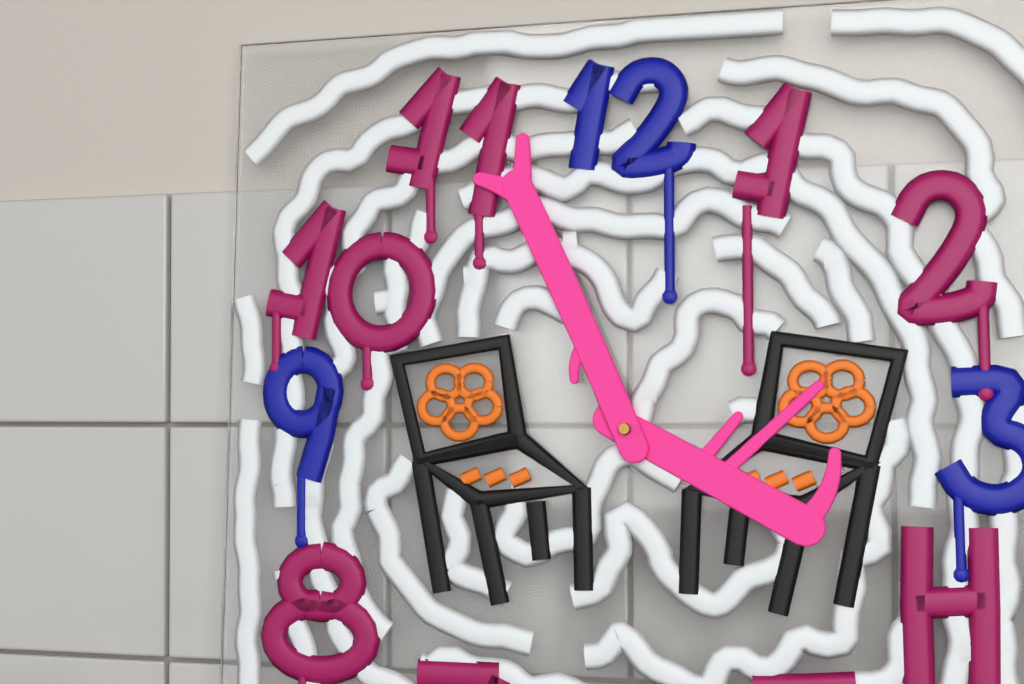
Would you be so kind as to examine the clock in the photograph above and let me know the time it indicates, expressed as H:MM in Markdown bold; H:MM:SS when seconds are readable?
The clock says **3:56**
